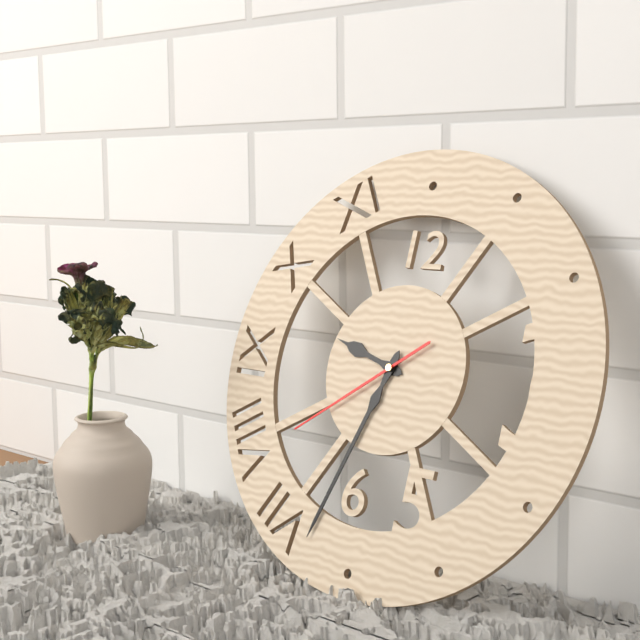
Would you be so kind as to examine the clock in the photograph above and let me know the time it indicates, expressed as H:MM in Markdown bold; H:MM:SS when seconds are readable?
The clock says **9:33:39**
